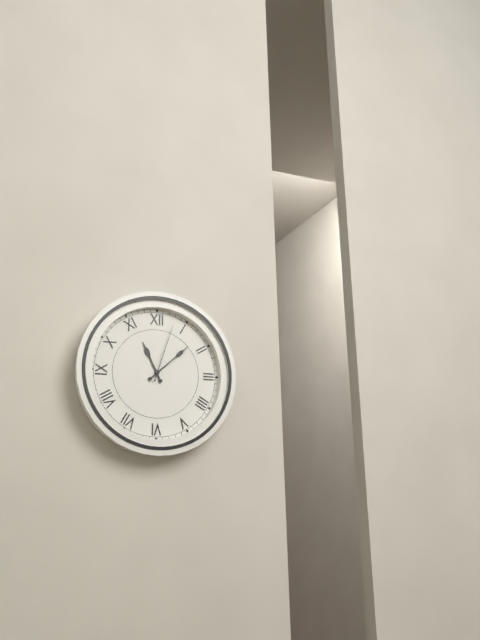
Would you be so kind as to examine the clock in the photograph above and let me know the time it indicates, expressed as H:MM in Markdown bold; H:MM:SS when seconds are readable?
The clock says **11:08:03**
